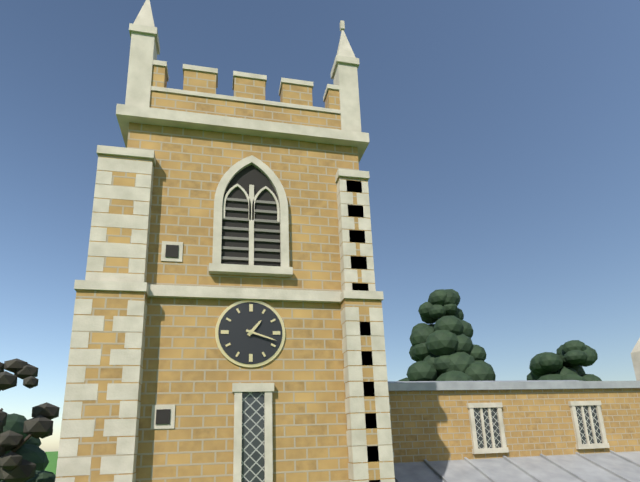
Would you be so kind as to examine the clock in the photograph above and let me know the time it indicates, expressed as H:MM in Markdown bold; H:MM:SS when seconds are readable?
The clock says **1:18**
